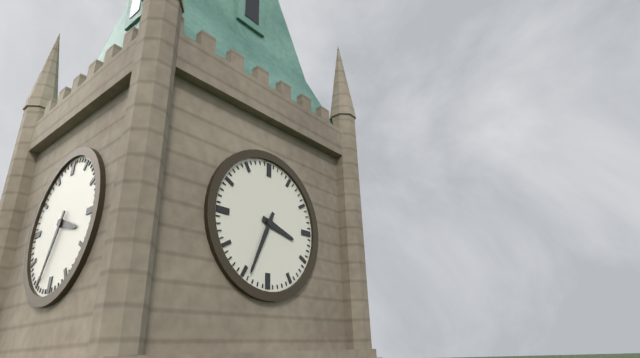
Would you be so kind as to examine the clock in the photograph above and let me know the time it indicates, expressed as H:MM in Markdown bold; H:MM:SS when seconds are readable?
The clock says **3:34**
